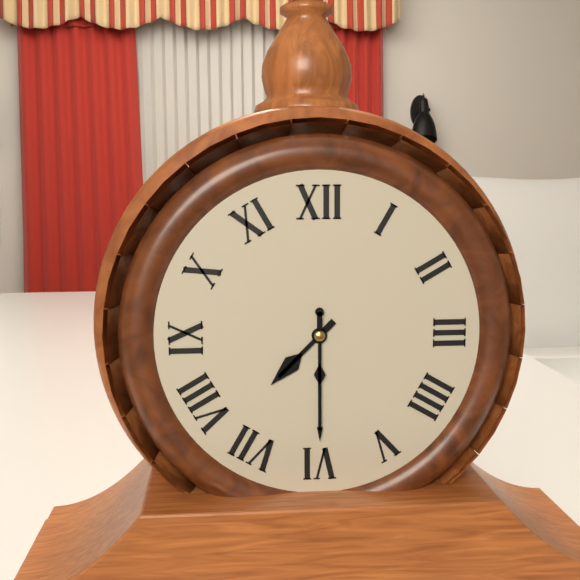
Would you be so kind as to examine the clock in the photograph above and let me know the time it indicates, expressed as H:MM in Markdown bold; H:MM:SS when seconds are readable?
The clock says **7:30**
